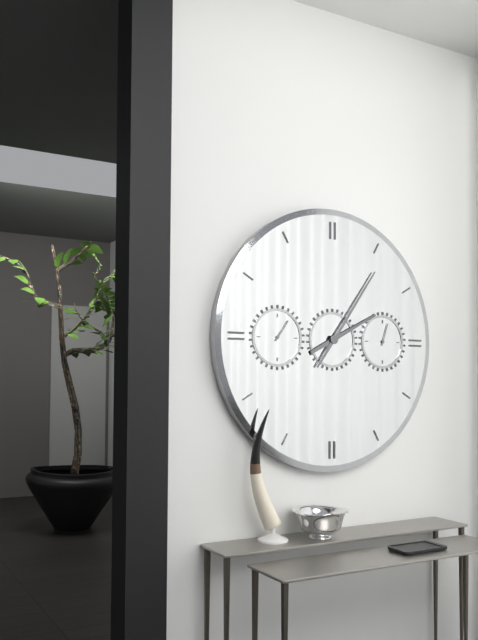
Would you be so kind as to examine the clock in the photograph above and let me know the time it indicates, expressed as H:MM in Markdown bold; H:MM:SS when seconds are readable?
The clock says **2:06**
